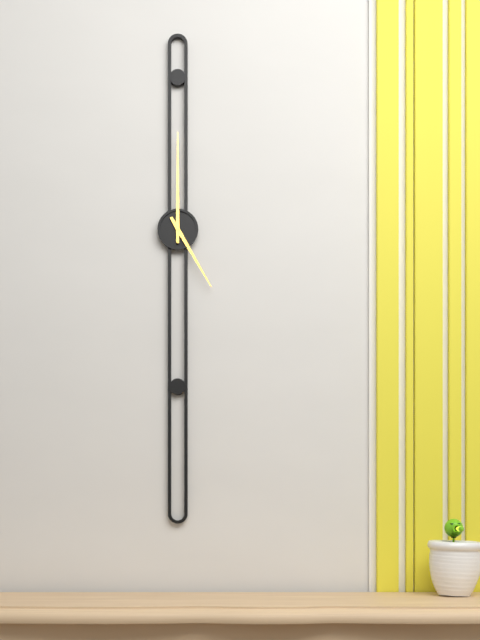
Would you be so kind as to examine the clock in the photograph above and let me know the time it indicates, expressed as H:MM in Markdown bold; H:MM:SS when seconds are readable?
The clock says **5:00**
